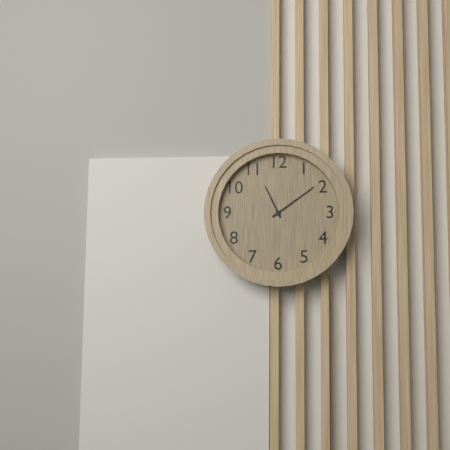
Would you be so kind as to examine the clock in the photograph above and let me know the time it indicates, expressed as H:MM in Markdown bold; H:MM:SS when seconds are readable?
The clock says **11:09**
